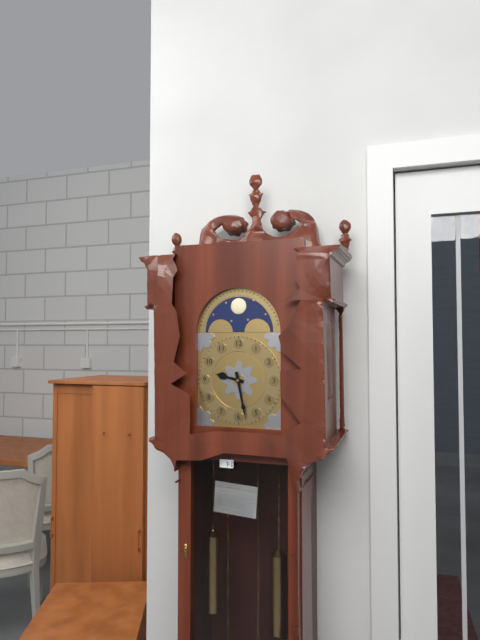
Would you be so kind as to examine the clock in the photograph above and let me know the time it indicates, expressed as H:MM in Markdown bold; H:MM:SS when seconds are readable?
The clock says **9:28**
